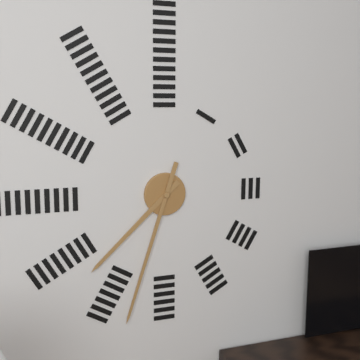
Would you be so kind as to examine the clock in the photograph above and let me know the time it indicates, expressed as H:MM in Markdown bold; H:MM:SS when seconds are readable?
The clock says **7:33**
